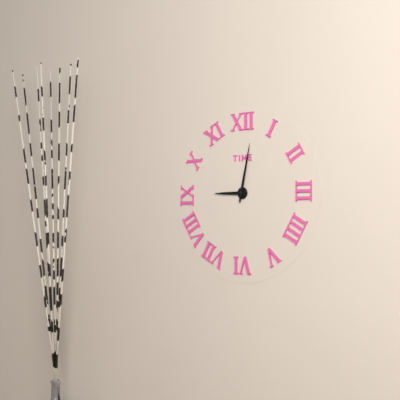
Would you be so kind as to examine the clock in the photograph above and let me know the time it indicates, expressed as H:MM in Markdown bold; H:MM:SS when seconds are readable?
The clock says **9:02**
